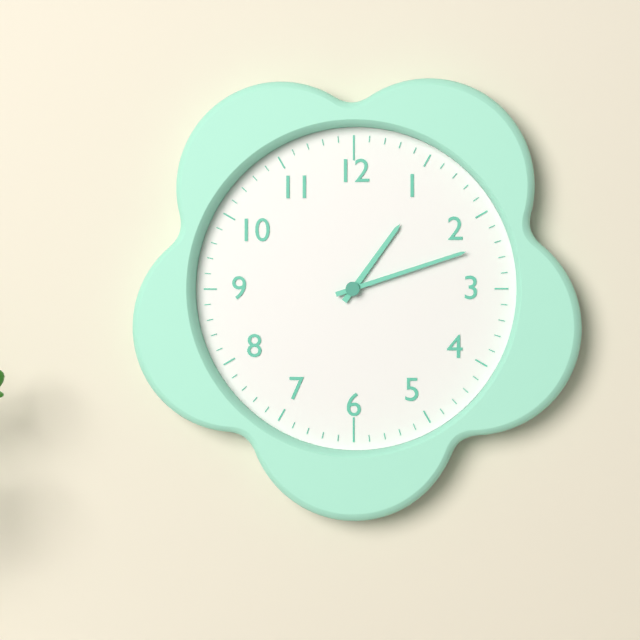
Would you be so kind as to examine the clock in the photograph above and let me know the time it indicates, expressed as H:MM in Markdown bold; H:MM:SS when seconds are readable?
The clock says **1:12**
